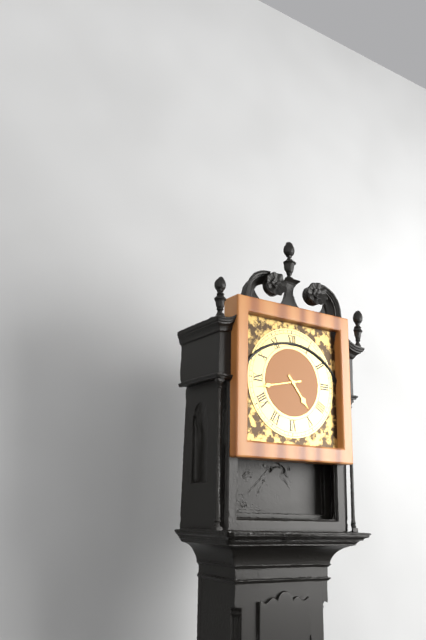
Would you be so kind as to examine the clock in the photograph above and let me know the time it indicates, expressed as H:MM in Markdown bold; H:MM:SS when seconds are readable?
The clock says **4:43**
